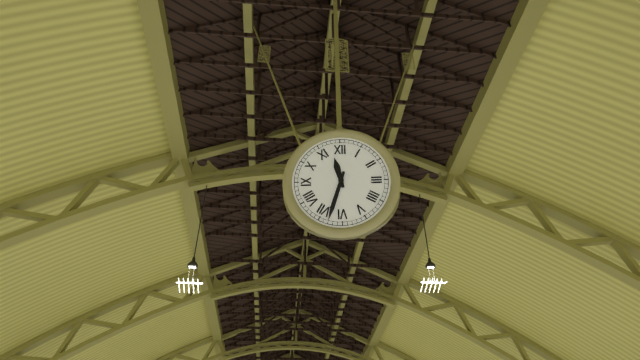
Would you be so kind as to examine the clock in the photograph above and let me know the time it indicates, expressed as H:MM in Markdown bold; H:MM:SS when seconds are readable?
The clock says **11:33**
